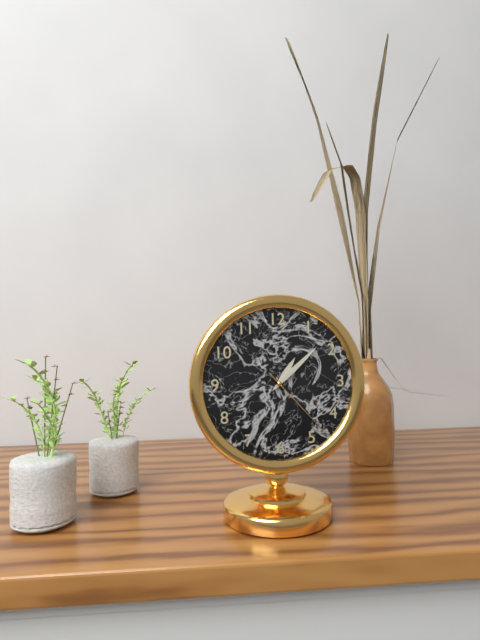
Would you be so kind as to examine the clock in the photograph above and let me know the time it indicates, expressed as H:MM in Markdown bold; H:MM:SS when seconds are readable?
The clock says **1:08:23**
